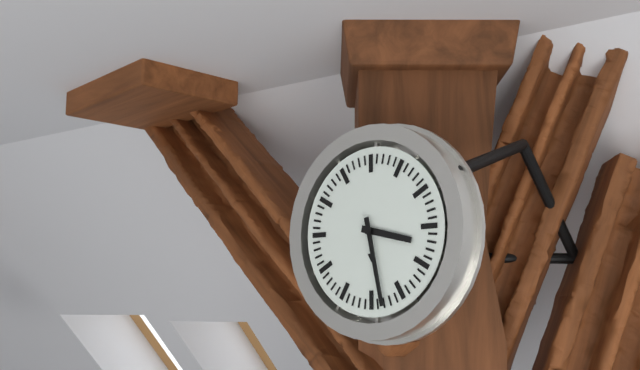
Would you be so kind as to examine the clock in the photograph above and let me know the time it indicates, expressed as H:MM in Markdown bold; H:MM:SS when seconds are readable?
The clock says **3:28**
